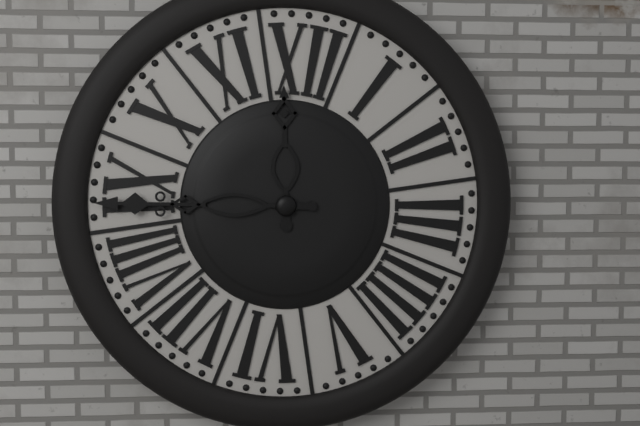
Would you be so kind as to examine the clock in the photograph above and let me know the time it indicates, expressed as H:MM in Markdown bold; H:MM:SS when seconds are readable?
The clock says **11:44**
